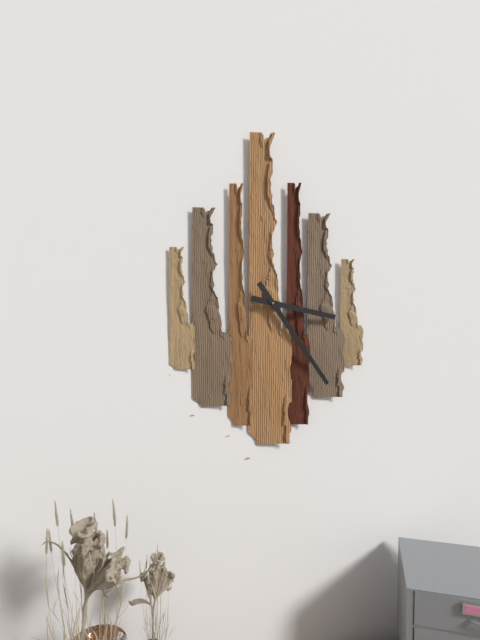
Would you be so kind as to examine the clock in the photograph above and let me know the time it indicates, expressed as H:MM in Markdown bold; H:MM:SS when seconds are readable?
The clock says **3:24**
